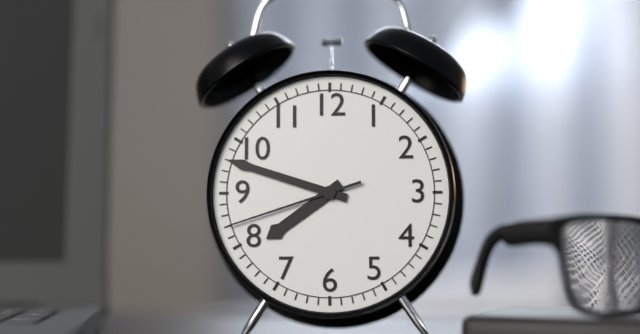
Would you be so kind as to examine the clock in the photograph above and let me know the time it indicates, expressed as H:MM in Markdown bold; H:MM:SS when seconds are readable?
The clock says **7:48:42**
